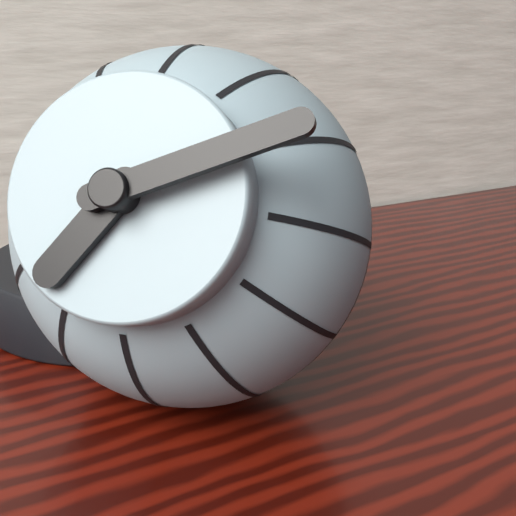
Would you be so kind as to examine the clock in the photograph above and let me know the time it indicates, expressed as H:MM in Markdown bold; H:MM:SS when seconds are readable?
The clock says **7:11**
